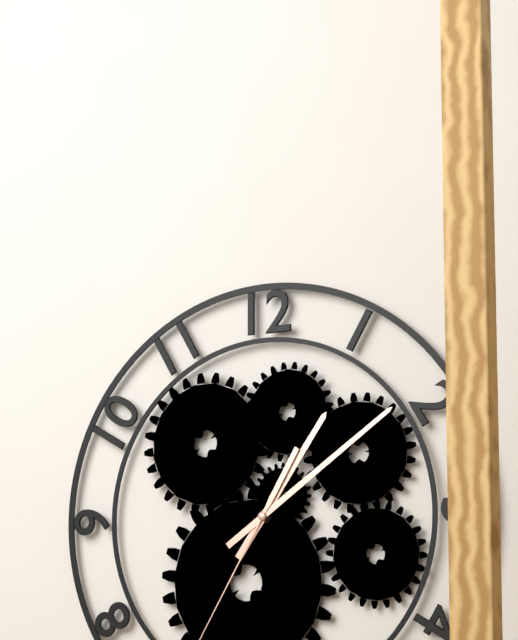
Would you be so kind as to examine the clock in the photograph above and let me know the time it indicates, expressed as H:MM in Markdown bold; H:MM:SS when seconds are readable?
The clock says **1:09**
